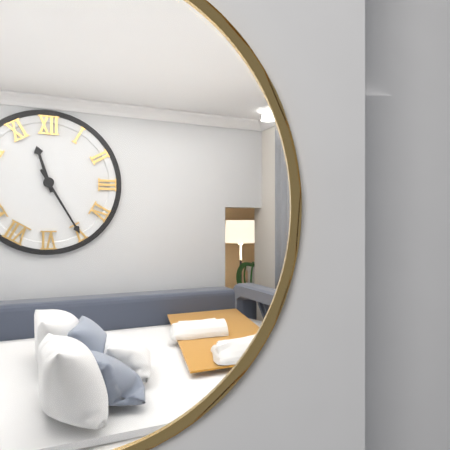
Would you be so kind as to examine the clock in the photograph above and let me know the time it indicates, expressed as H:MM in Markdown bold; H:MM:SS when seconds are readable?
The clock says **11:25**
